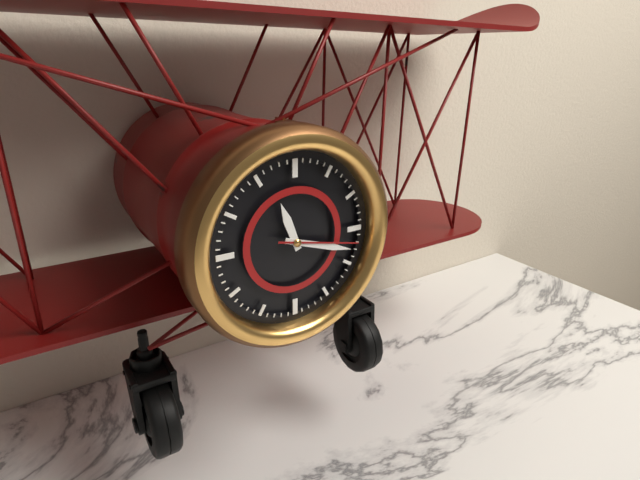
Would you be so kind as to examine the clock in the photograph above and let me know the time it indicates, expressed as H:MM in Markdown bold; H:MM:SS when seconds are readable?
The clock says **11:18:17**
